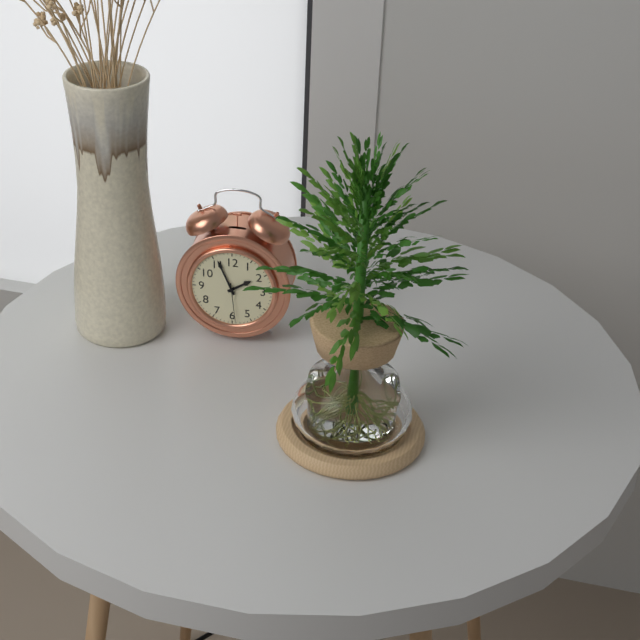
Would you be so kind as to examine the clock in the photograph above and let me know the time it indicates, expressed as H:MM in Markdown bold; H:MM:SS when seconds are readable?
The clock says **1:56**
